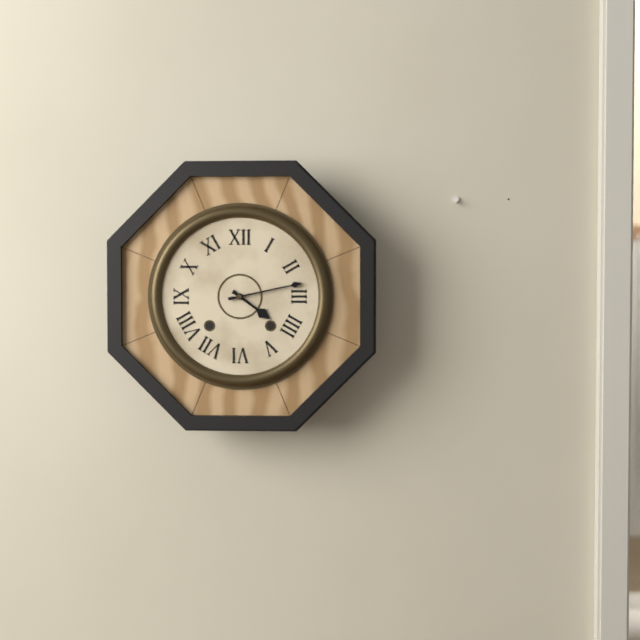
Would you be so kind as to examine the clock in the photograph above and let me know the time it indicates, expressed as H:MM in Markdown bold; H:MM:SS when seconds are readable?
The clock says **4:13**
